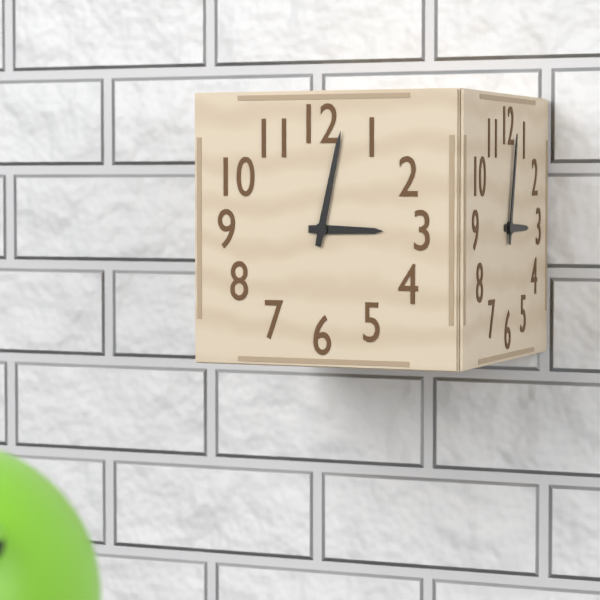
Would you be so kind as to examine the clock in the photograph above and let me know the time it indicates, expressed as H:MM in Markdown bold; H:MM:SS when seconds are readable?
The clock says **3:02**
